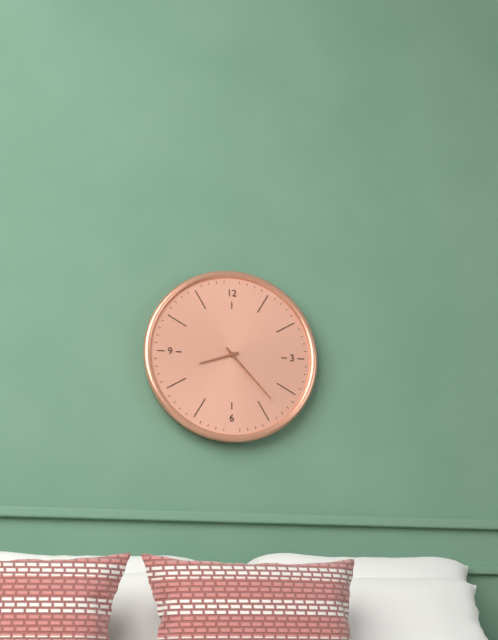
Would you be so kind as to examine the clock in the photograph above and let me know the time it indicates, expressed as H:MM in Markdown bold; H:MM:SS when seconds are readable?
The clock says **8:23**
